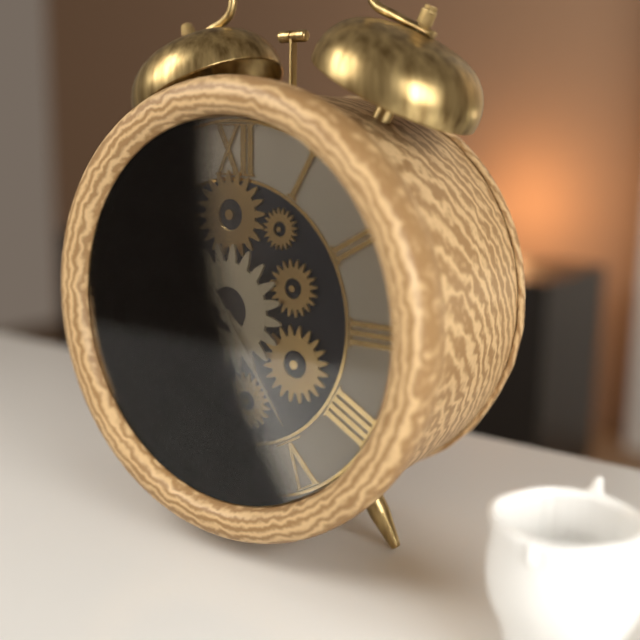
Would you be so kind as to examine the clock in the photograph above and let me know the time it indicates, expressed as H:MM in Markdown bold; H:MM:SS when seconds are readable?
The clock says **10:24**
